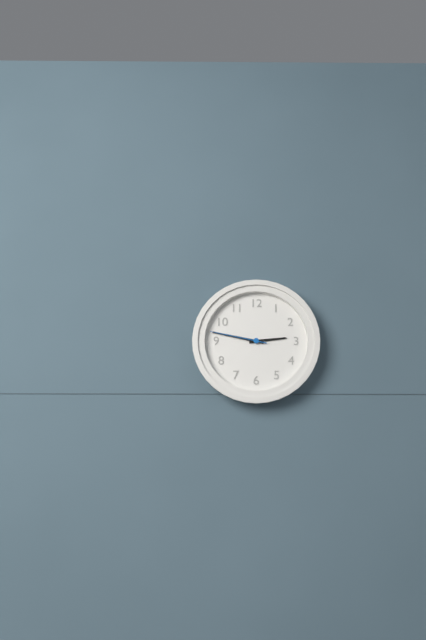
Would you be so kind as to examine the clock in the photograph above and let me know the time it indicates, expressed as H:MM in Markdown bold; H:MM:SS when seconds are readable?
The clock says **2:47:47**
